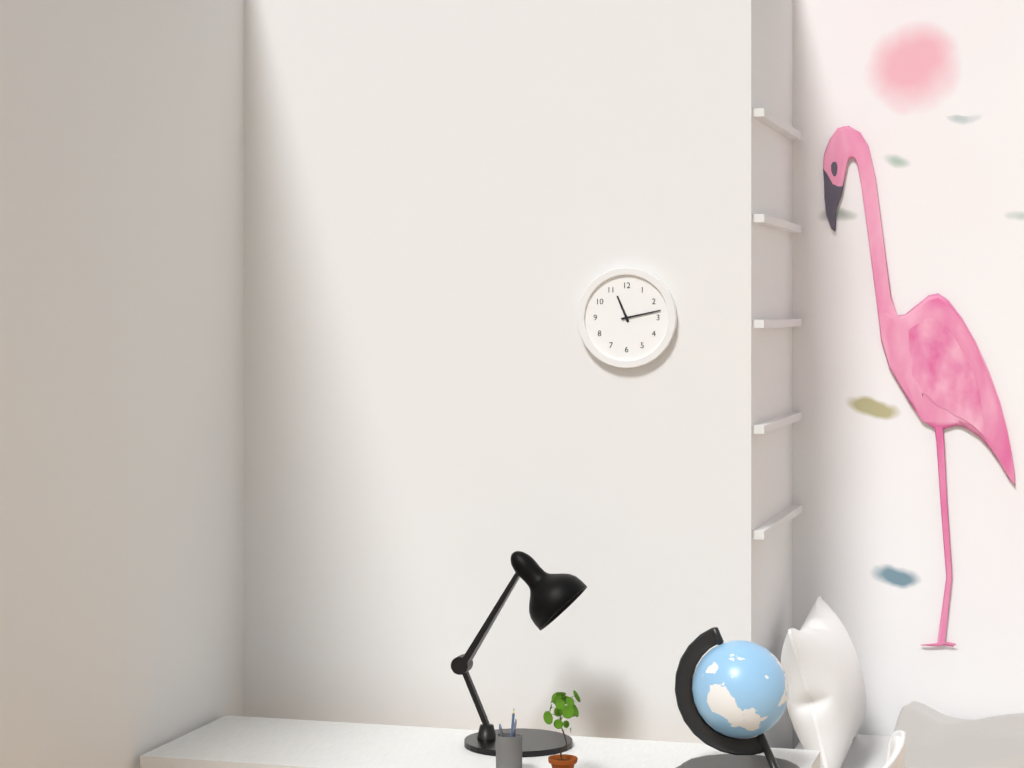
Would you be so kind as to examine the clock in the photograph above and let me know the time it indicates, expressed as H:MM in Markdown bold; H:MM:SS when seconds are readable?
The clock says **11:13**
